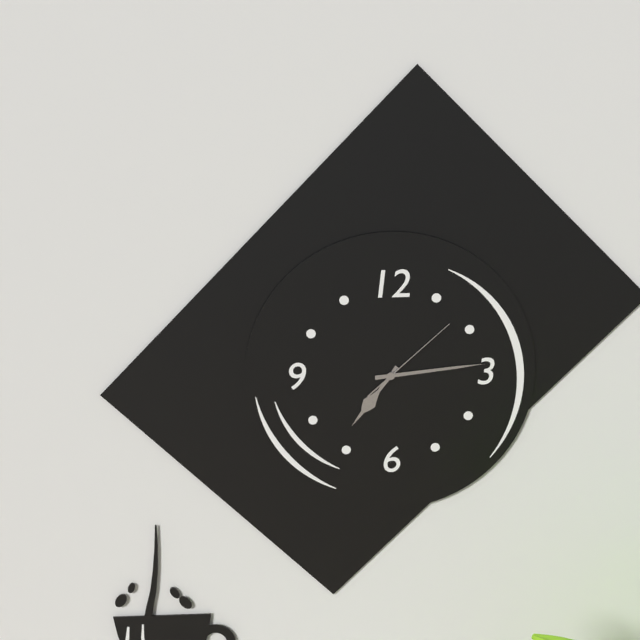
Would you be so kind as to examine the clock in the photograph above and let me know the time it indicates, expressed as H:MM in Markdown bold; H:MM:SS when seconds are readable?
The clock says **7:14:08**
